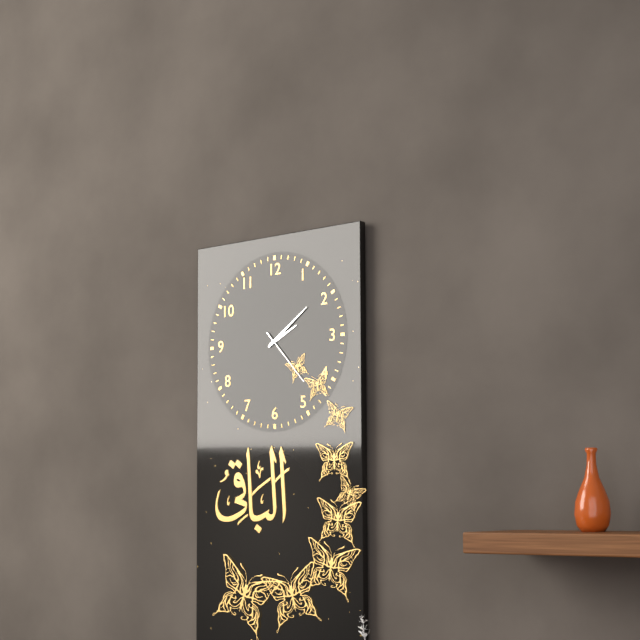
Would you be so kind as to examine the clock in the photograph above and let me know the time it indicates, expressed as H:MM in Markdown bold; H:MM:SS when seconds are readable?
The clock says **2:09:23**
